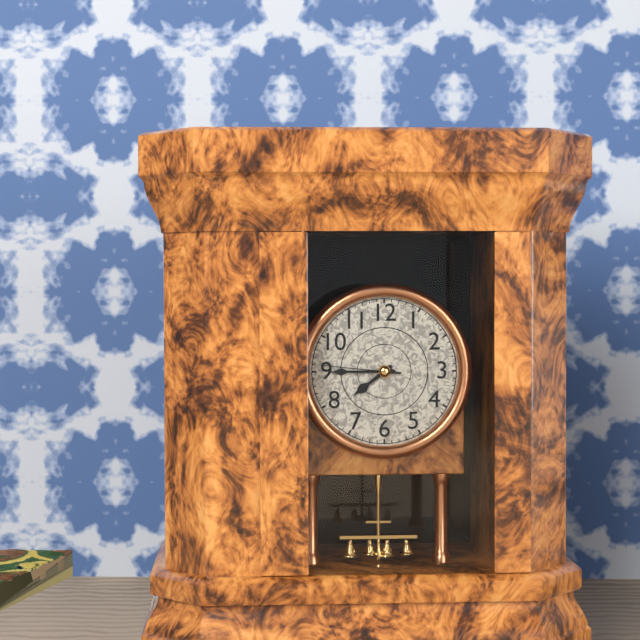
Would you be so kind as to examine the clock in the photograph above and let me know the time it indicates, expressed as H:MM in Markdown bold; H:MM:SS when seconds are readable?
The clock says **7:45:46**
